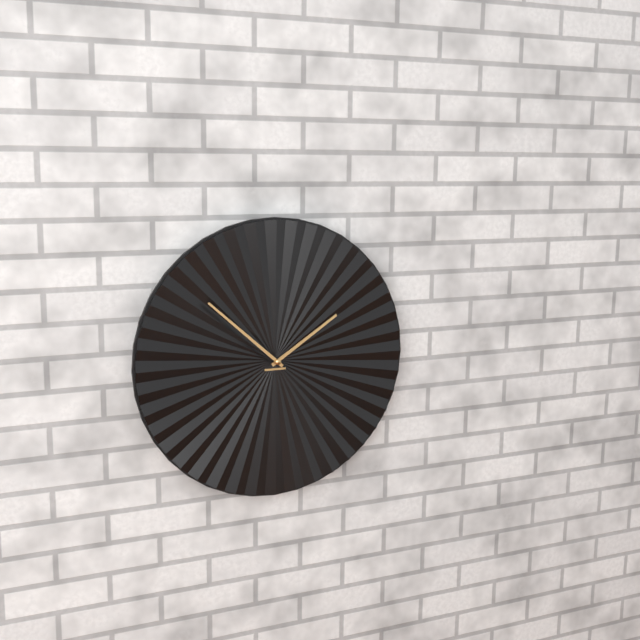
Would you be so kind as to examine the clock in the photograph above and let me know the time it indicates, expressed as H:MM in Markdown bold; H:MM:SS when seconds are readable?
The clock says **1:52**
